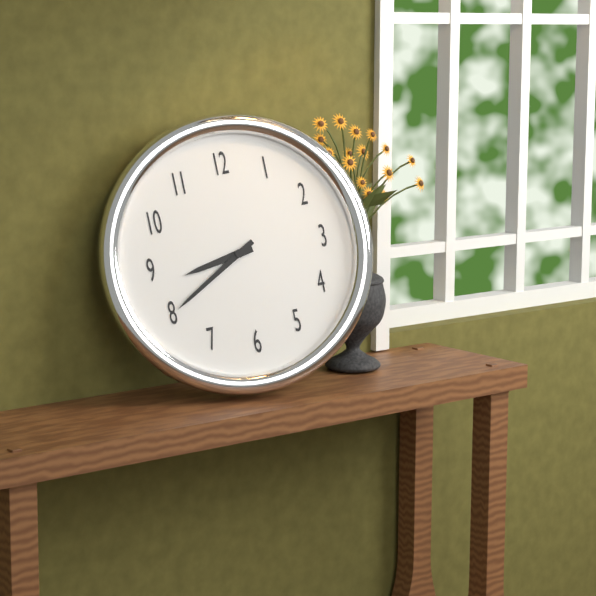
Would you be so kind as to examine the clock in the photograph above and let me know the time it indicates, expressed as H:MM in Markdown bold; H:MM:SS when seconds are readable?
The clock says **8:40**
